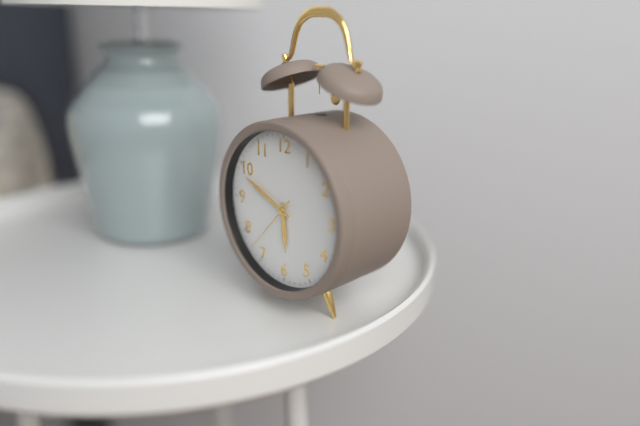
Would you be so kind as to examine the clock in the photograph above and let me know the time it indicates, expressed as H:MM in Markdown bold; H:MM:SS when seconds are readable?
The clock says **5:49:37**
